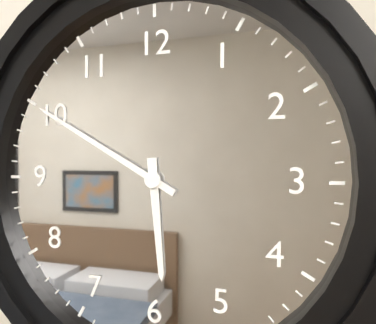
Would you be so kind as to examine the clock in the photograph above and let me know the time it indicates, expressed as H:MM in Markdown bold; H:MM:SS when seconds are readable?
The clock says **5:50**
